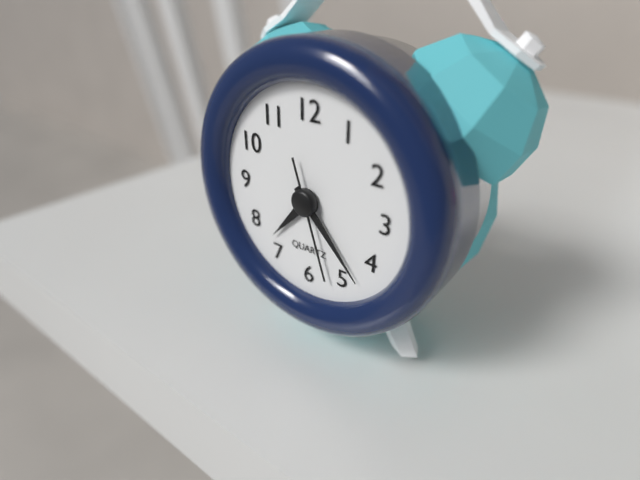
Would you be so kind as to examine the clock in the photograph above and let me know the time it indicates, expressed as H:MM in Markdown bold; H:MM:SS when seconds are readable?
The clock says **7:23:27**
